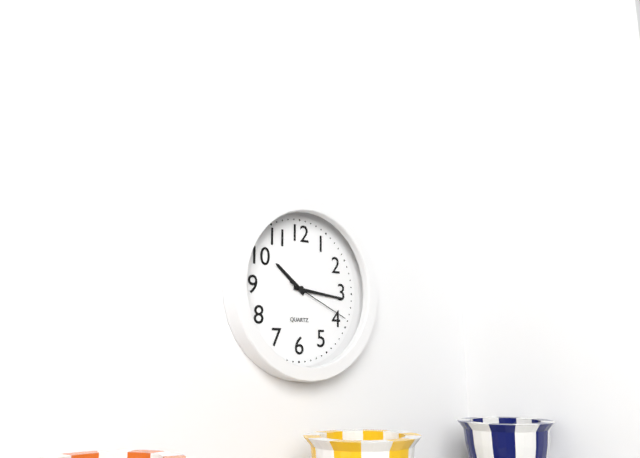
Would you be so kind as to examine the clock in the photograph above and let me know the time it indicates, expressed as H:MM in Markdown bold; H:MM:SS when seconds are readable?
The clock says **10:16:19**
